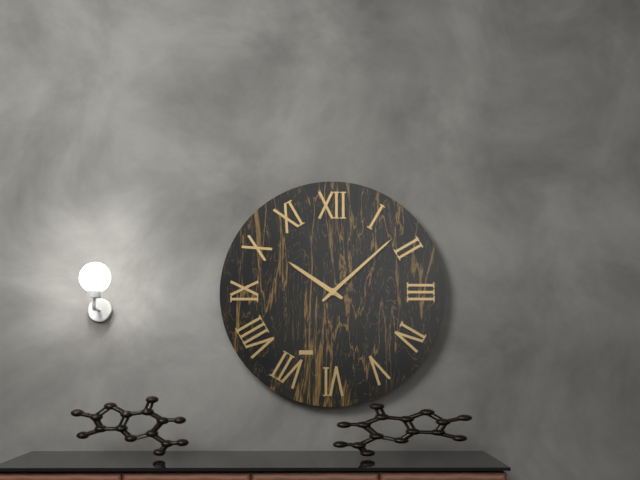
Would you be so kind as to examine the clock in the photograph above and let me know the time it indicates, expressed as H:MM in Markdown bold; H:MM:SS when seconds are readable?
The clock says **10:08**
